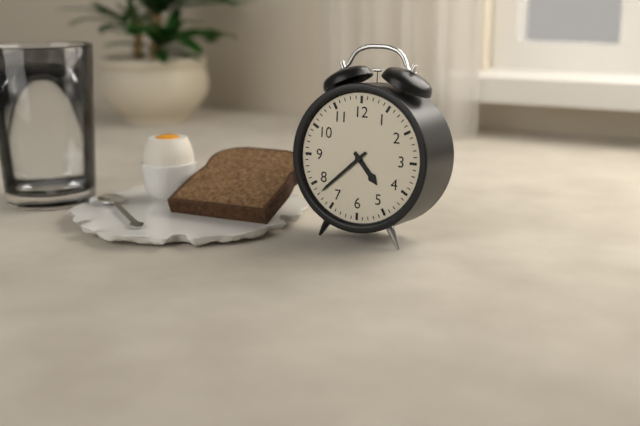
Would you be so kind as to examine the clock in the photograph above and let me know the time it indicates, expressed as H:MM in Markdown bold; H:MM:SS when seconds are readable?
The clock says **4:38**
